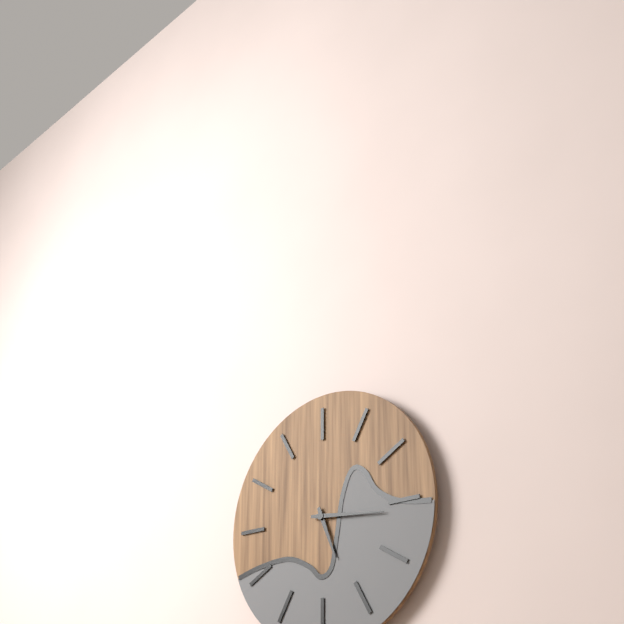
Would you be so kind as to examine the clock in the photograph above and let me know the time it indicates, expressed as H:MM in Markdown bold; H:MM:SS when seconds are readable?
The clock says **5:16**
